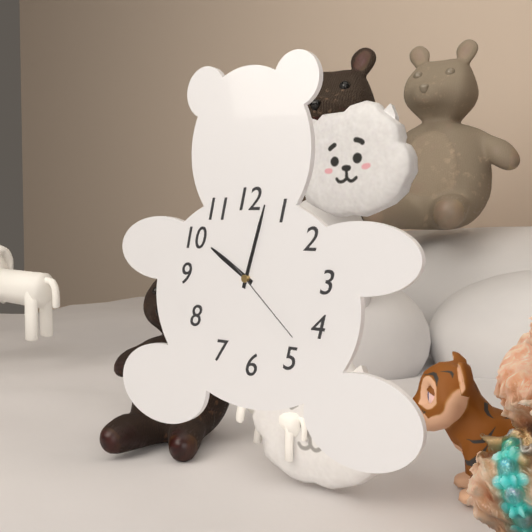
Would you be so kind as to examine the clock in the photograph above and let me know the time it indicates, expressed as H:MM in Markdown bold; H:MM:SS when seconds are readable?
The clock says **10:03:22**
